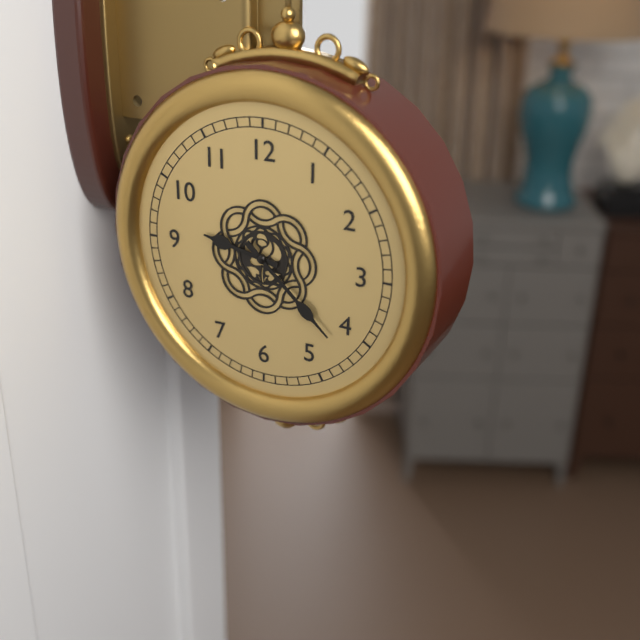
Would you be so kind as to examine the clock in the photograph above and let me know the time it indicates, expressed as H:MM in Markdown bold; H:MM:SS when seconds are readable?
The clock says **9:22**
